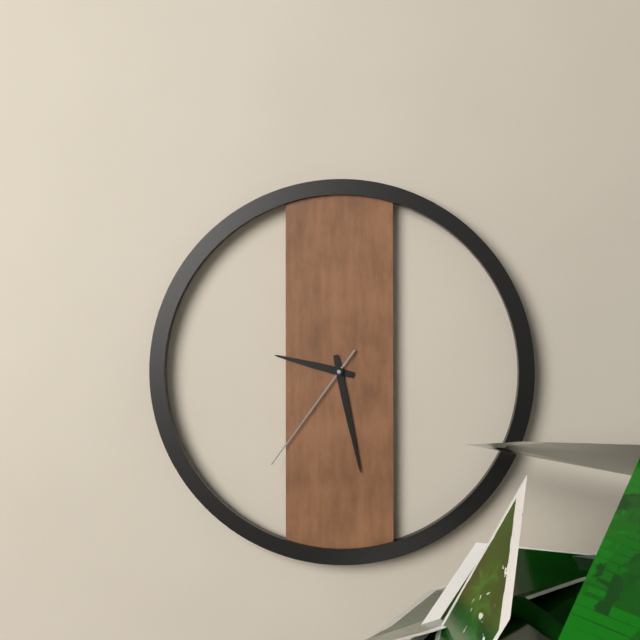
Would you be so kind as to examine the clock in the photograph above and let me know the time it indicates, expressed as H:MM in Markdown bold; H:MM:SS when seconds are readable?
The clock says **9:28:36**
